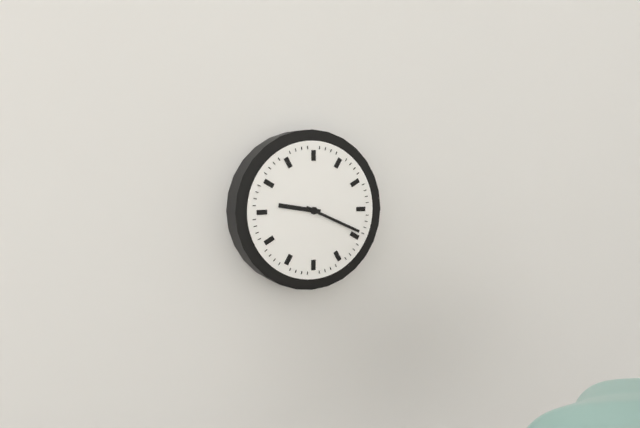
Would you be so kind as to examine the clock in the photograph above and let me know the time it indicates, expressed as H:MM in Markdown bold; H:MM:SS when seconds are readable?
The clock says **9:19**
